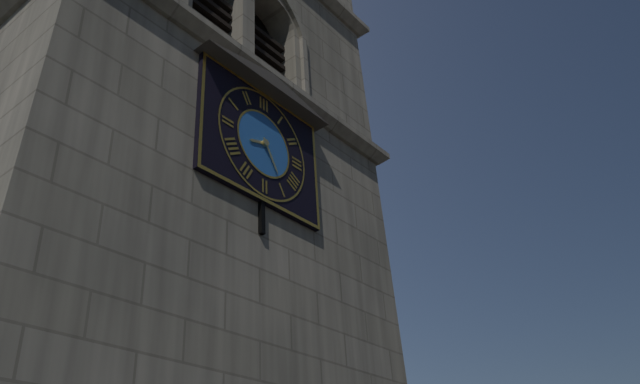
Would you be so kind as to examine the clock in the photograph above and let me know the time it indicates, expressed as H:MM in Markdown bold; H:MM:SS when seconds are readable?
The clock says **8:25**
